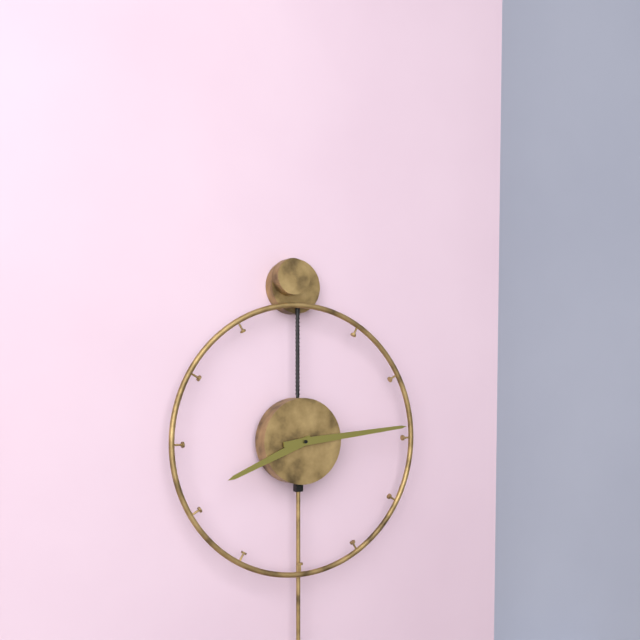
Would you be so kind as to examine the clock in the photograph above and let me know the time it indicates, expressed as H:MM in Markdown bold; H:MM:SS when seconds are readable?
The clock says **8:14**
